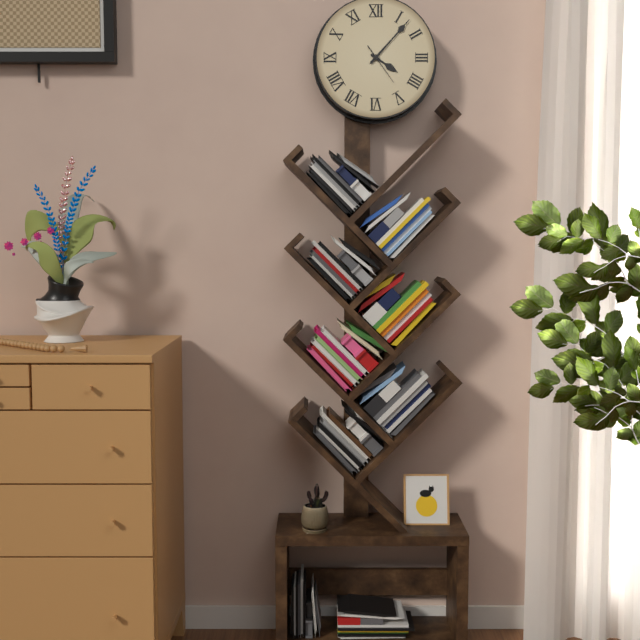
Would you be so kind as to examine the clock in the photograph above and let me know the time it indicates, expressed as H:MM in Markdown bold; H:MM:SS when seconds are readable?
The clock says **4:07**
